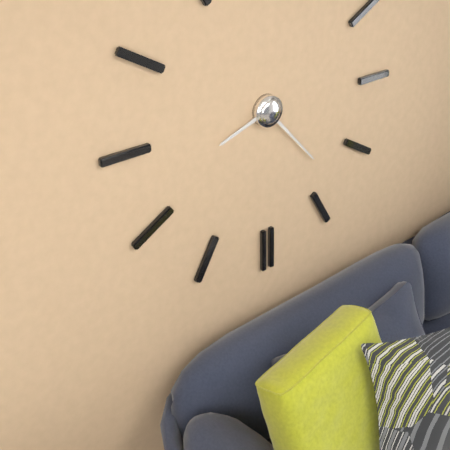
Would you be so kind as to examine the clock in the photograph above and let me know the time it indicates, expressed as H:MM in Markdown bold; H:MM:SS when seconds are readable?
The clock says **8:23**
